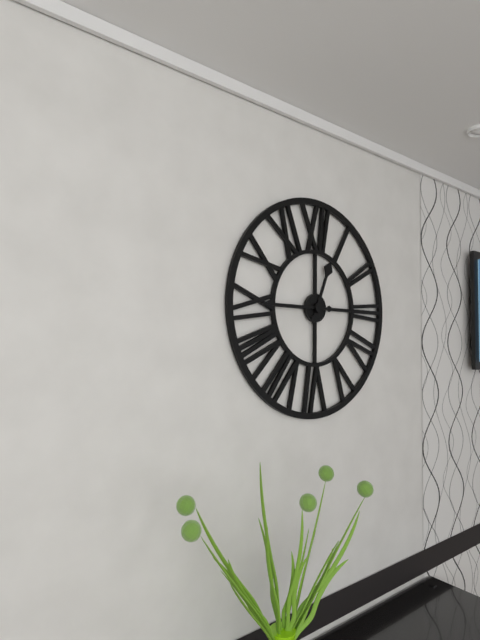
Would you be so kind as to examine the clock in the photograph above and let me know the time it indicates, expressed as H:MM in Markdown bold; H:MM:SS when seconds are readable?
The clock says **12:45**
